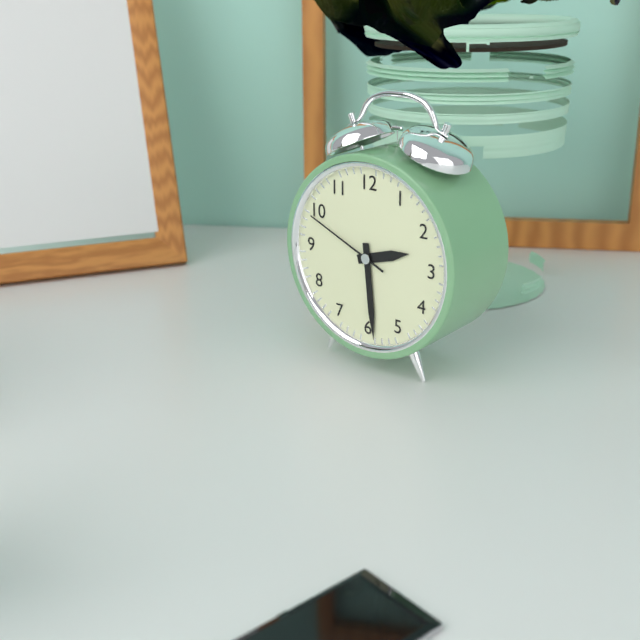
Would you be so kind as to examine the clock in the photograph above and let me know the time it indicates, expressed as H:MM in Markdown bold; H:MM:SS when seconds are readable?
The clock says **2:29:49**
